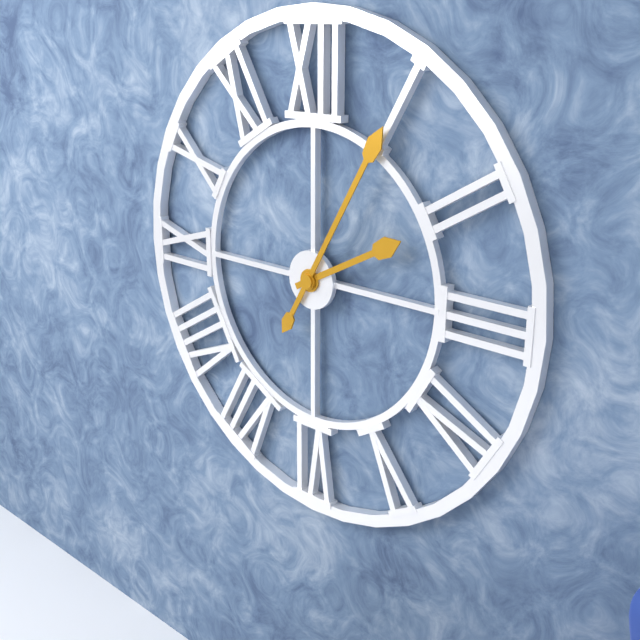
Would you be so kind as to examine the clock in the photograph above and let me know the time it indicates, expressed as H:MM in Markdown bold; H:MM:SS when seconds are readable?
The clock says **2:05**
